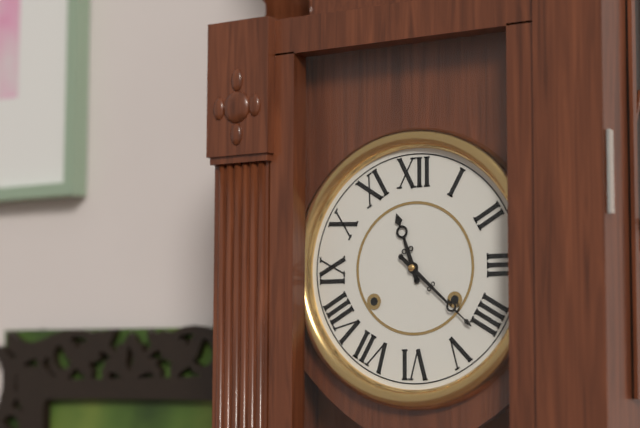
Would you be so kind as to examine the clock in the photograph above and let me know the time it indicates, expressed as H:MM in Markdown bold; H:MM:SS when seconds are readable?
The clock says **11:22**
